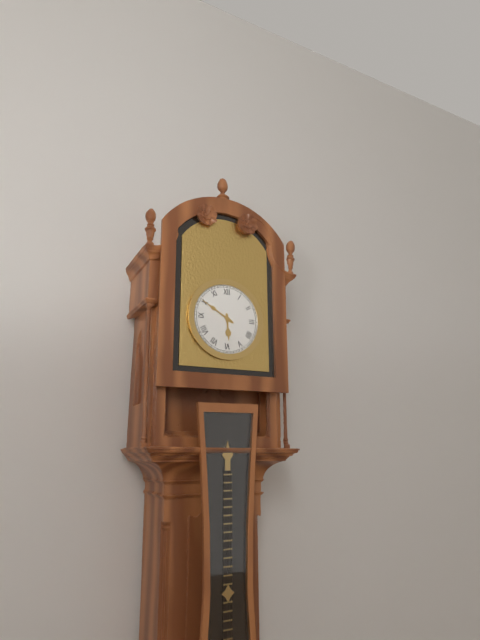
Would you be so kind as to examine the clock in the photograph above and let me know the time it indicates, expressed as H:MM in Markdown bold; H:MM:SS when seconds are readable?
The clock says **5:50**
